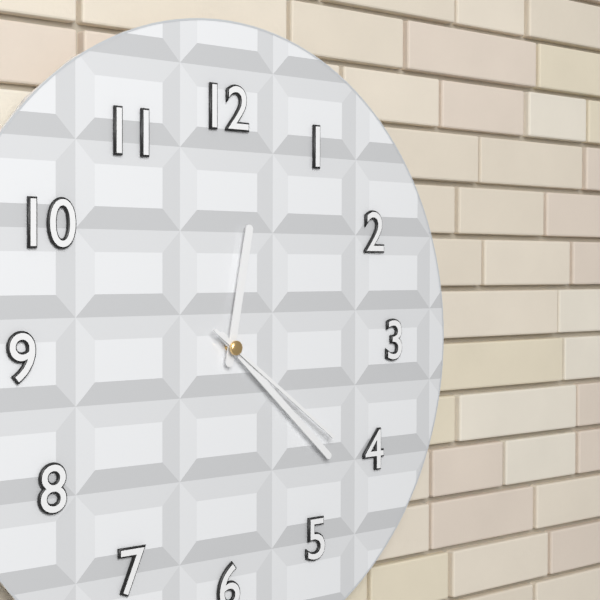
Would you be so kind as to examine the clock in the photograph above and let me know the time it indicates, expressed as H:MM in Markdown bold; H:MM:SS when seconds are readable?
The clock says **12:22:21**
